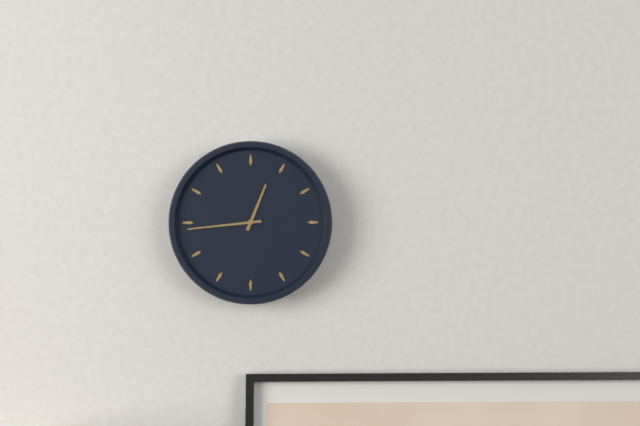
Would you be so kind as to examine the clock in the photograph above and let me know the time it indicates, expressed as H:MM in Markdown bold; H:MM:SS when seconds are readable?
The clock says **12:44**
